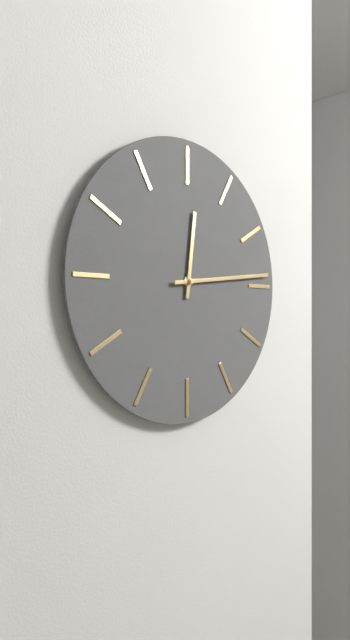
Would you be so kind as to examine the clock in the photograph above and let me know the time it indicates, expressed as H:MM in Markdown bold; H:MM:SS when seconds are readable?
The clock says **12:14**
